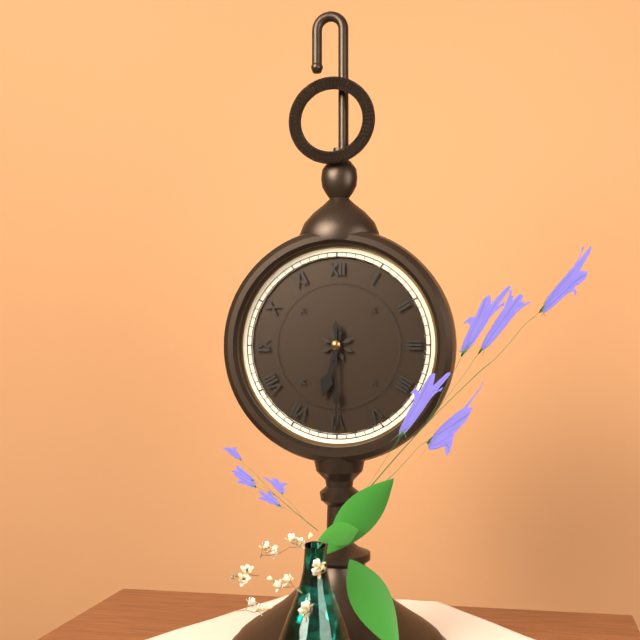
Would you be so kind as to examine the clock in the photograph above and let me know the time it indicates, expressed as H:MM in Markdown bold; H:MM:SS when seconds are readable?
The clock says **6:30**
